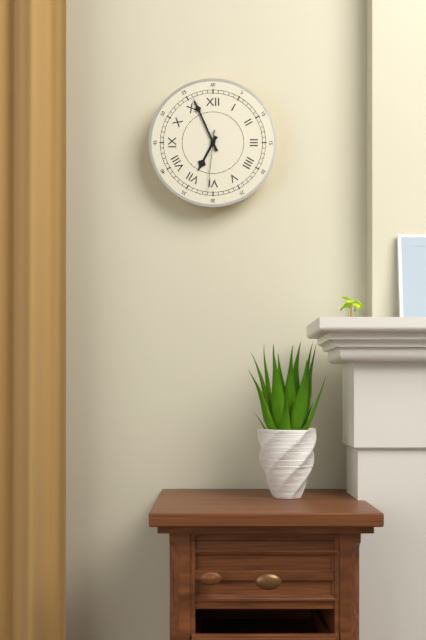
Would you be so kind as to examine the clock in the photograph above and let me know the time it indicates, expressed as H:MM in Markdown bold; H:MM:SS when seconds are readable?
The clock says **6:56:31**
